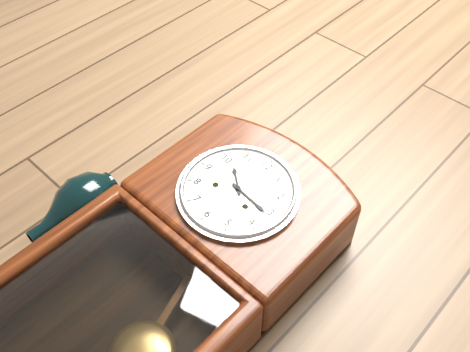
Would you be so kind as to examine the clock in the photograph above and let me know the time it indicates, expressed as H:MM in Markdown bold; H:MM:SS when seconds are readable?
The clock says **10:16**
